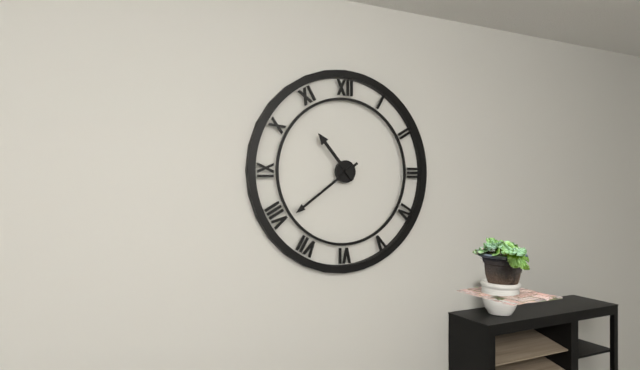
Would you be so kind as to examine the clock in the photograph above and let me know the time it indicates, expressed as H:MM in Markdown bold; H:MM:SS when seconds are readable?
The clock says **10:39**
